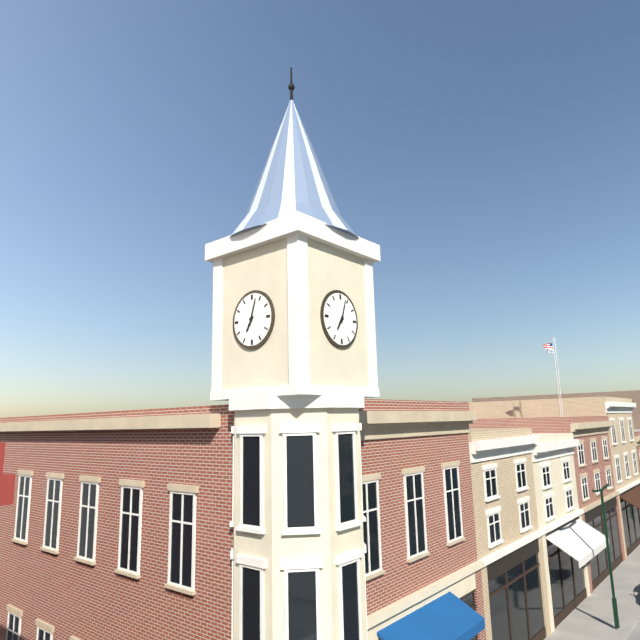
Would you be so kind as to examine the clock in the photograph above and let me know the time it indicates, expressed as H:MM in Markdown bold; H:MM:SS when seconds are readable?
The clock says **7:03**
